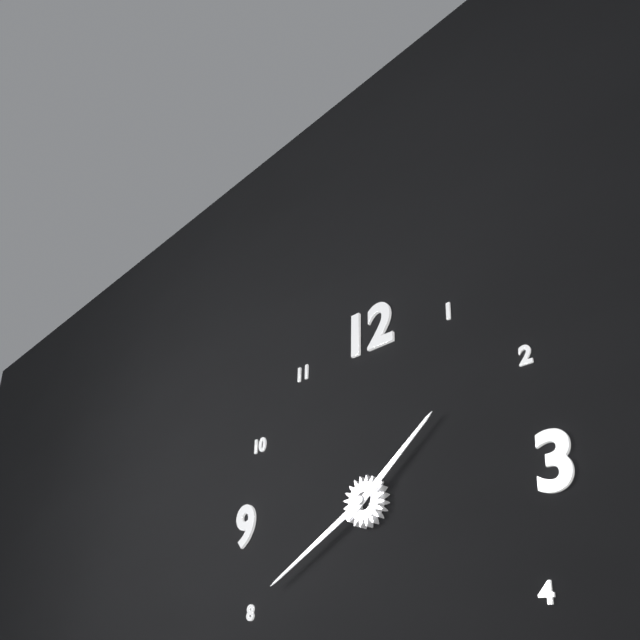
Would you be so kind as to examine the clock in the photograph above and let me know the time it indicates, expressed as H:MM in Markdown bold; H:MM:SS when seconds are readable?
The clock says **1:40**
